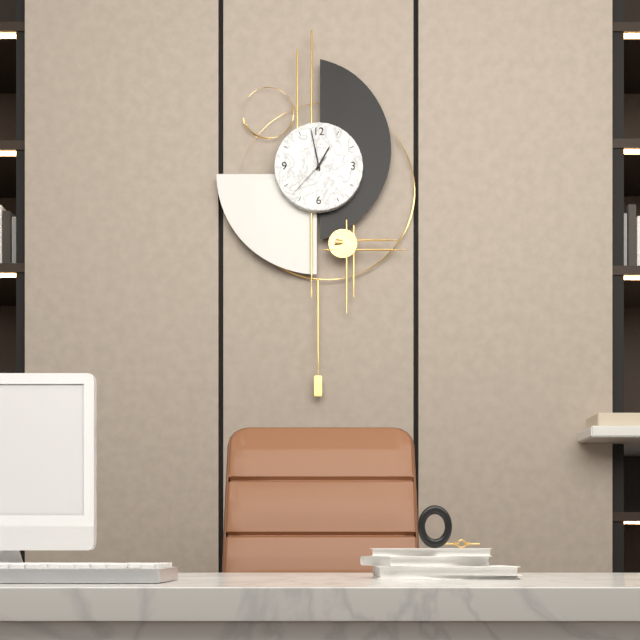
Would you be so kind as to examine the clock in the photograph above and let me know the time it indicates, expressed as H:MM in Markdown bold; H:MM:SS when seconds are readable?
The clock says **12:58**
